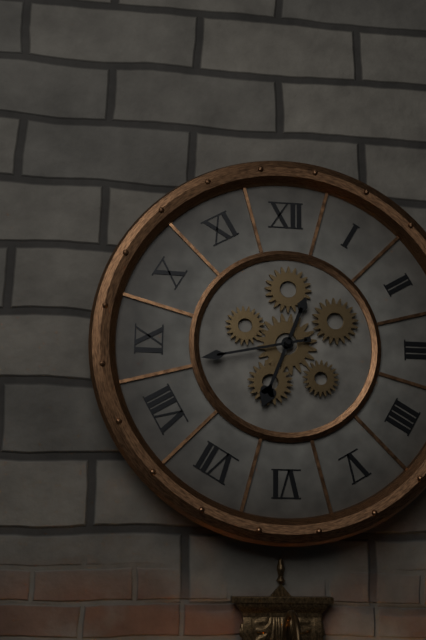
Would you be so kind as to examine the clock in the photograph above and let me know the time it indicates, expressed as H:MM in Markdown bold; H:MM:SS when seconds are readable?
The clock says **6:43**
